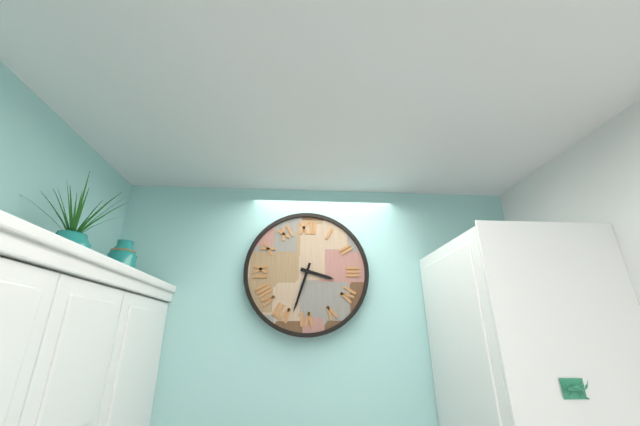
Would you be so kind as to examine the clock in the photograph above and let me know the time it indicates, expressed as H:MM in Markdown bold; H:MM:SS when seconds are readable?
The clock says **3:33**
